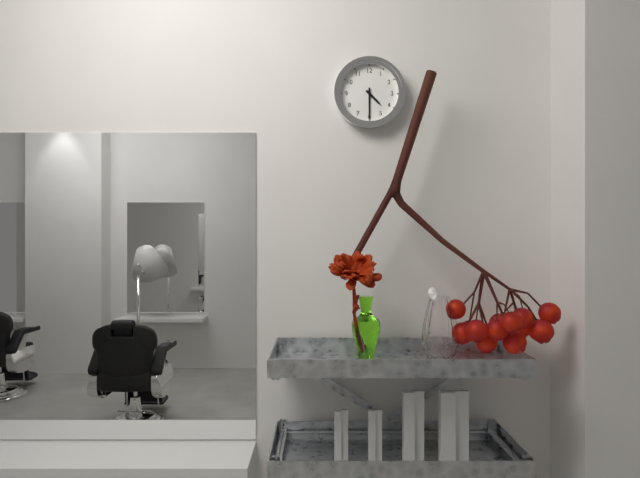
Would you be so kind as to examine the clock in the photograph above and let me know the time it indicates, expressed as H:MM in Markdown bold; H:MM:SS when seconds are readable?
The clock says **4:30**
